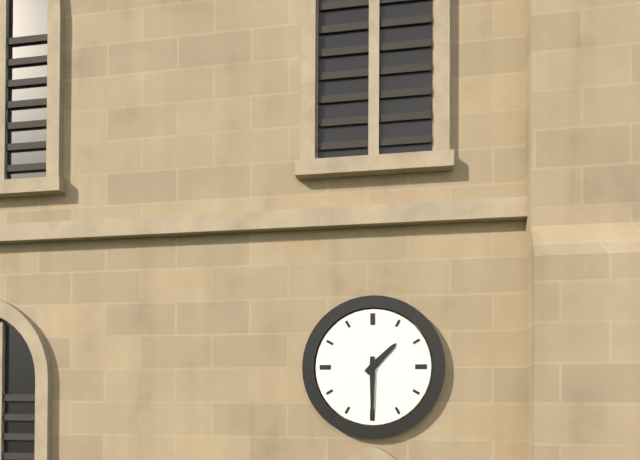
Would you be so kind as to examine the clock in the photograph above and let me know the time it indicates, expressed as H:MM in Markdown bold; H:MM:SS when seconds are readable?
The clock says **1:30**
